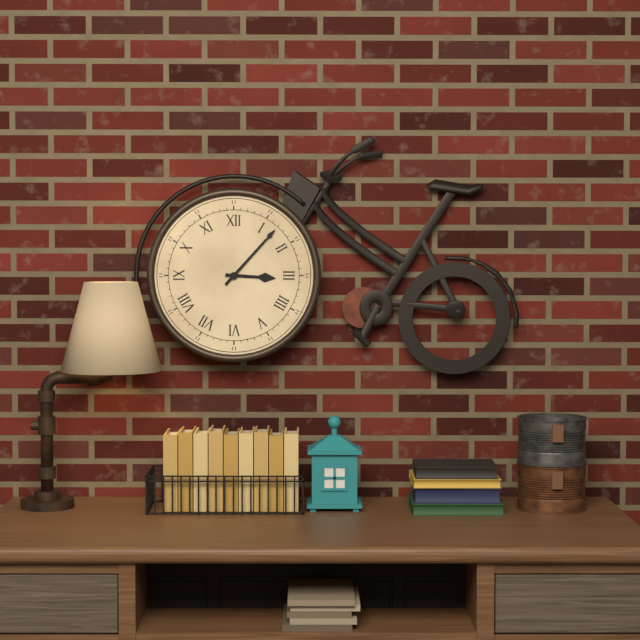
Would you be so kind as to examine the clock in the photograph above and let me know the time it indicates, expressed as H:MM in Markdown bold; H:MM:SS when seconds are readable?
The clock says **3:07**
